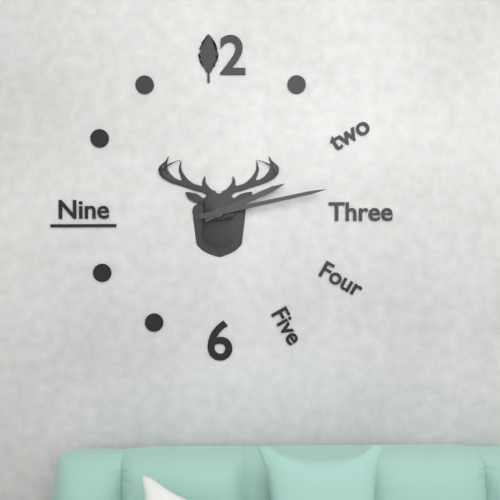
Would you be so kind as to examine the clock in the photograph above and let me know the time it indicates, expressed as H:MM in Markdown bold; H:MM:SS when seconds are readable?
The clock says **2:13**
